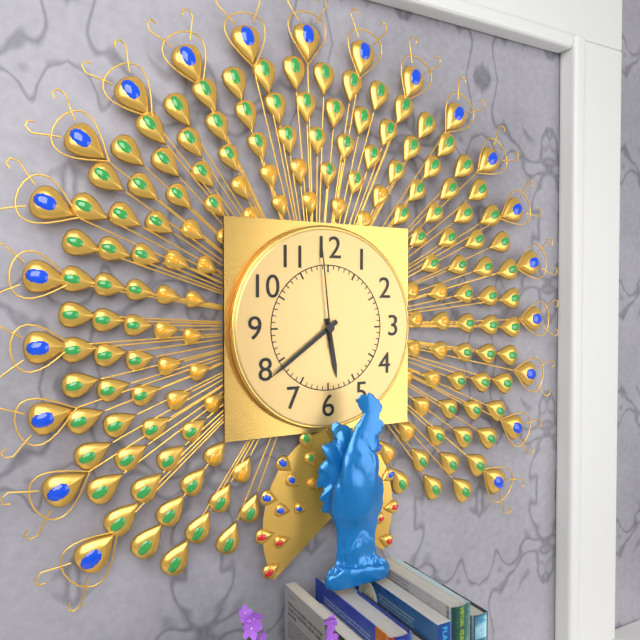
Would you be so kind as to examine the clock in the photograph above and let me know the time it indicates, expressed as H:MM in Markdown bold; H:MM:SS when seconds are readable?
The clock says **5:39:59**
